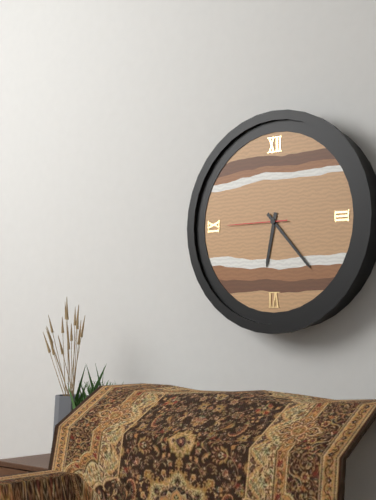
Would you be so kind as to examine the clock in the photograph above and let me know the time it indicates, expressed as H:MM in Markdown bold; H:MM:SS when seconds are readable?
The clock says **6:23:45**
